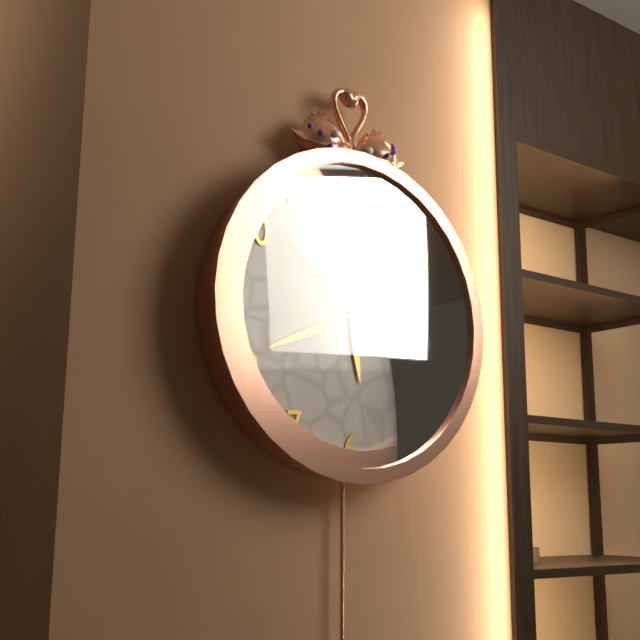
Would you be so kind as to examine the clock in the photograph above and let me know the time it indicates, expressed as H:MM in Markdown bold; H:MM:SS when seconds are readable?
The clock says **5:41:52**
